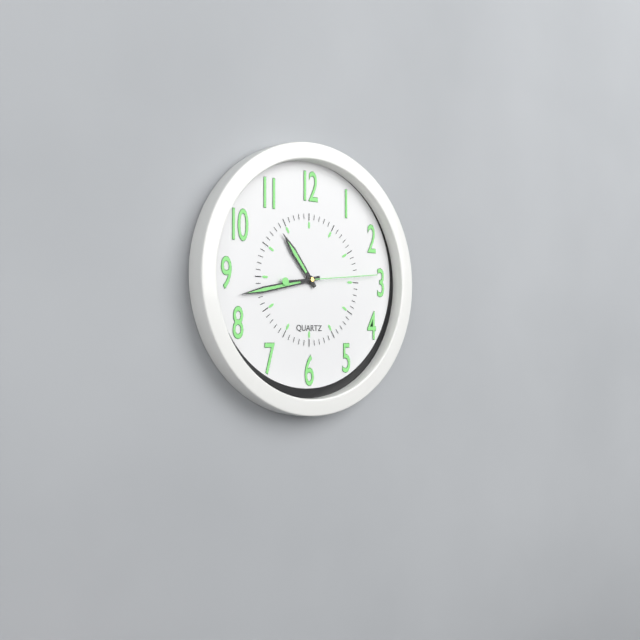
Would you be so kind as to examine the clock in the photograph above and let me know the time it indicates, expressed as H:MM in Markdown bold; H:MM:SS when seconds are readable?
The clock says **10:43:14**
